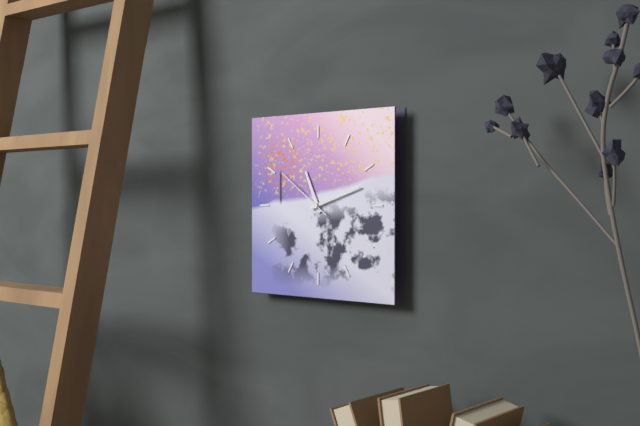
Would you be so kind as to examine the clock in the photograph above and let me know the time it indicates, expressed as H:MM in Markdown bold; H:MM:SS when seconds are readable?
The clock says **11:12:51**
